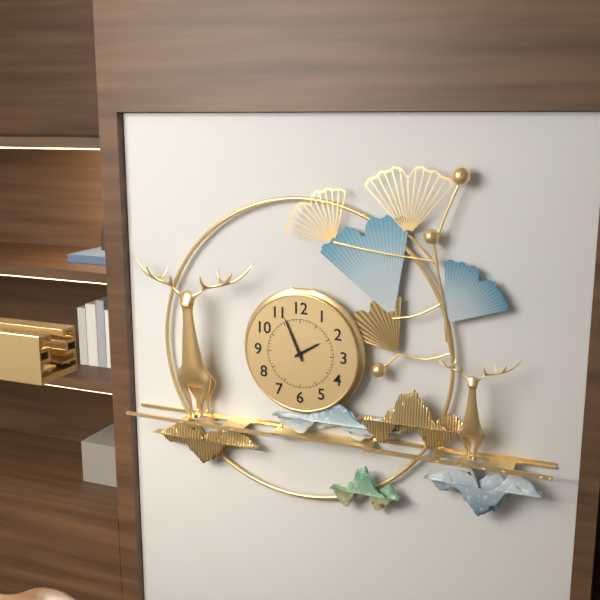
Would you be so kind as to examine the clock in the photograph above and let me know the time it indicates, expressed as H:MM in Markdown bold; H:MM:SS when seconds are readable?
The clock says **1:56**
